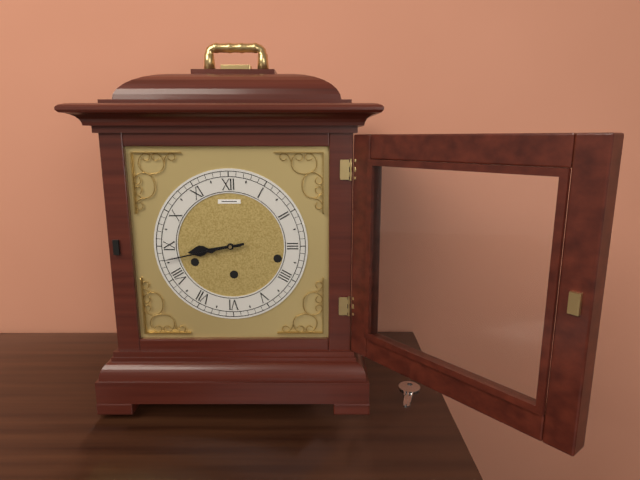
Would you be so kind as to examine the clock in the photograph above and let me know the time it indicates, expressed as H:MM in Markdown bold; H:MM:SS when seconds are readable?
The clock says **8:43**
